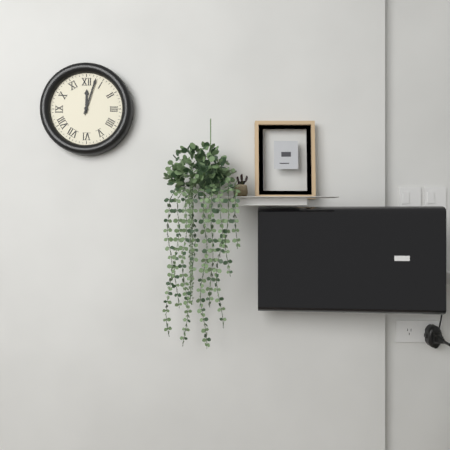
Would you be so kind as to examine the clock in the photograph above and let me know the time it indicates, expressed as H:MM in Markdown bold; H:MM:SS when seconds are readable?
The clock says **12:03**
